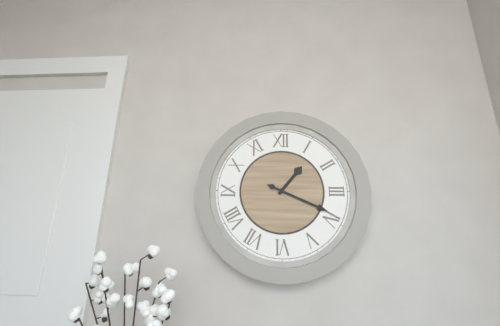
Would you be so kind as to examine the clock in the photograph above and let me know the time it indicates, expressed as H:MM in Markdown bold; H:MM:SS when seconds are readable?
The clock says **1:19**
